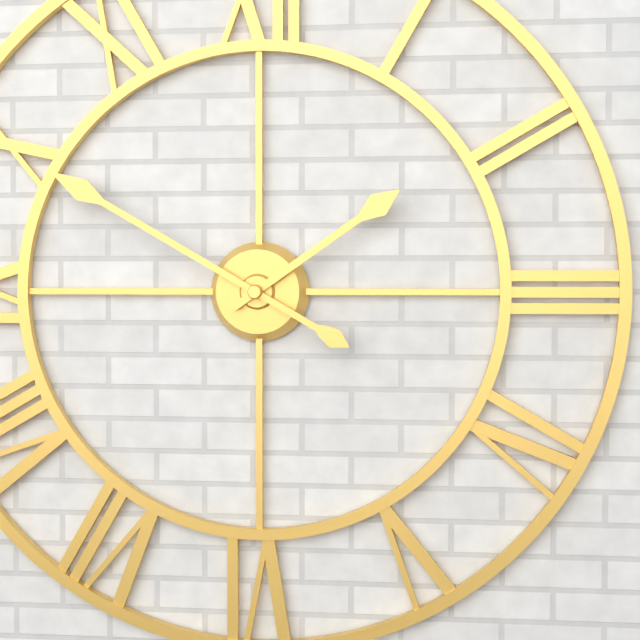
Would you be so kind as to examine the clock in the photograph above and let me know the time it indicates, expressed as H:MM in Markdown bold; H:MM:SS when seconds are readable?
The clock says **1:50**
